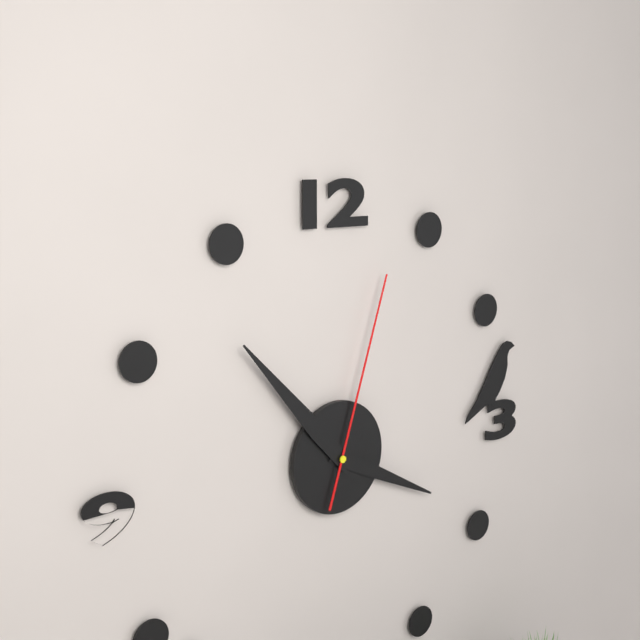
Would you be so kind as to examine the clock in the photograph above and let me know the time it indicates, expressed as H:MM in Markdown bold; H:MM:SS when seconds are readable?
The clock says **3:53:03**
